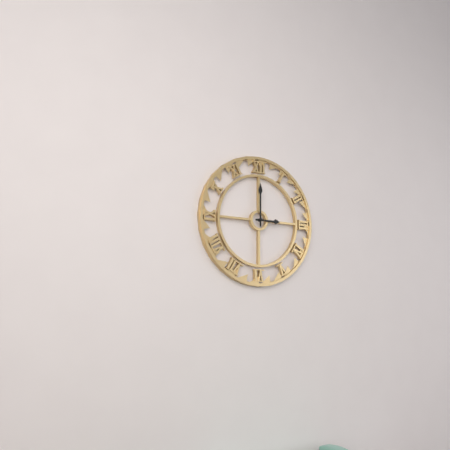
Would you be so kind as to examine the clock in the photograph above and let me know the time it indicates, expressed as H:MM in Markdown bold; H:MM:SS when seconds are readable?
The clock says **3:00**
